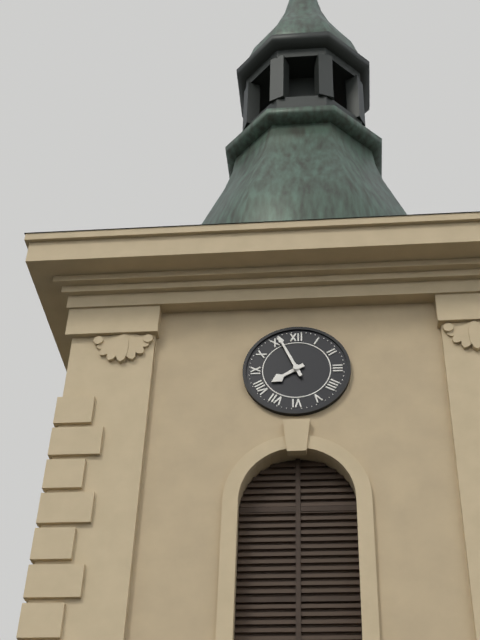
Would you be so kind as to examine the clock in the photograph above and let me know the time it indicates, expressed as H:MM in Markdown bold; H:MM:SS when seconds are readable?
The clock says **7:56**
